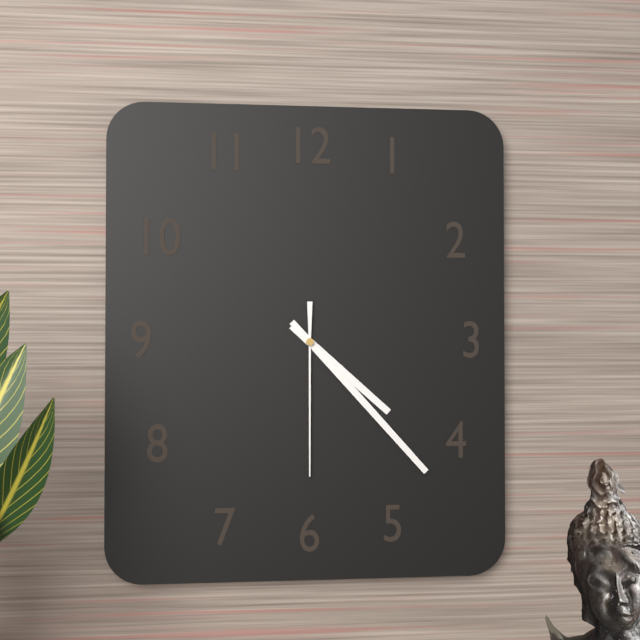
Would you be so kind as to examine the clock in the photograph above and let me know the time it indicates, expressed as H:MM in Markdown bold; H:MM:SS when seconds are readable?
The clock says **4:23:30**
